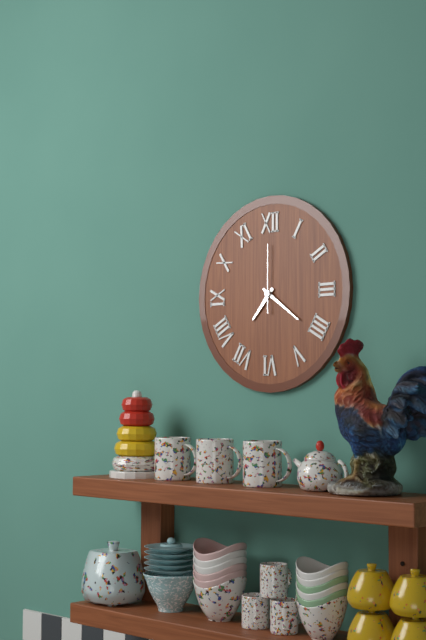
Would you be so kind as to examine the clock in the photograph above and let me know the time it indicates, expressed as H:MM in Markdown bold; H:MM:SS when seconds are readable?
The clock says **7:21:00**
